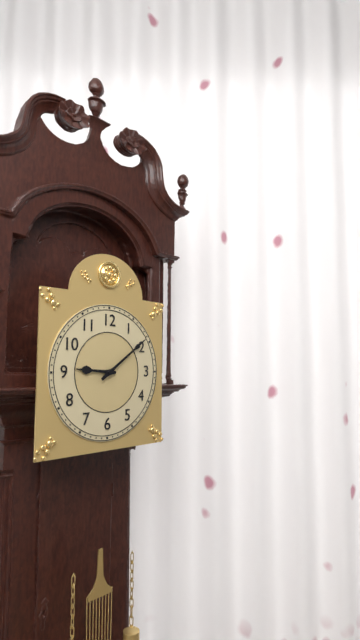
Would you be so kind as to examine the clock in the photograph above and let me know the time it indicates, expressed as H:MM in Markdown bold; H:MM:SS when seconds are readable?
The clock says **9:09**
